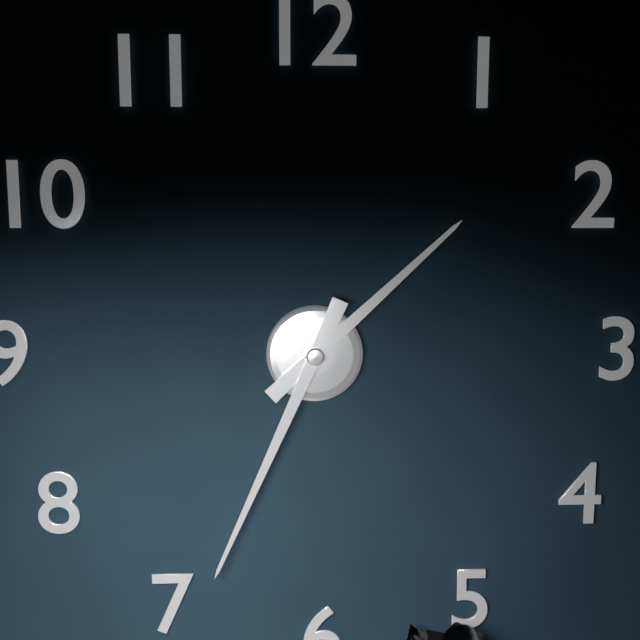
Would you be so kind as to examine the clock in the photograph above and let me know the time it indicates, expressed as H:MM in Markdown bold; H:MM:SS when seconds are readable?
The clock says **1:34**
